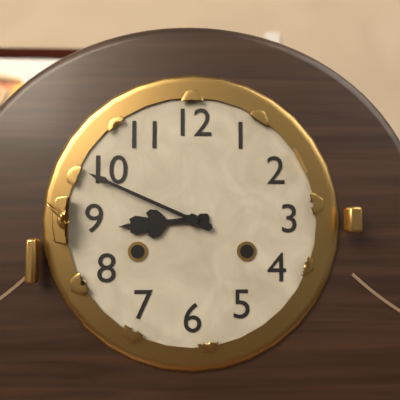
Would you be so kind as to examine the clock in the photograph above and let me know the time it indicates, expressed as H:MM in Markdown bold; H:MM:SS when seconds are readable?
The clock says **8:49**
